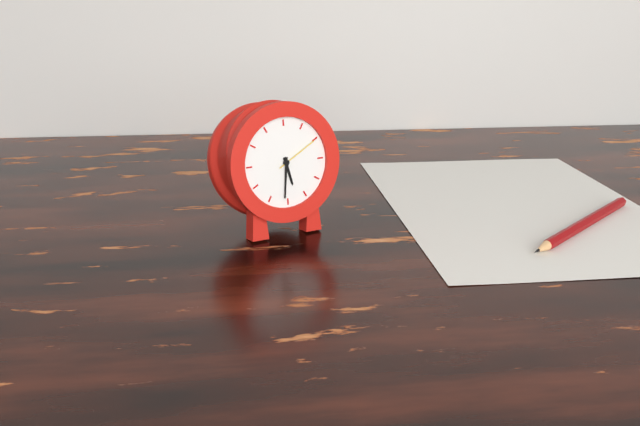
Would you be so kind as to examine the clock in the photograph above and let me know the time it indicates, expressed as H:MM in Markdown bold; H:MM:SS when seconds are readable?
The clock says **5:31**
